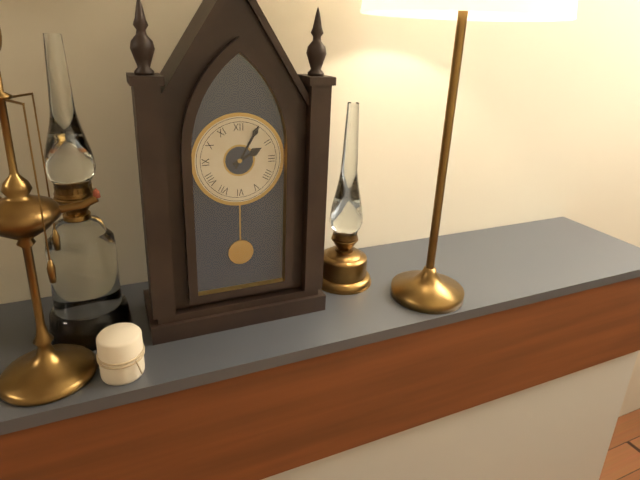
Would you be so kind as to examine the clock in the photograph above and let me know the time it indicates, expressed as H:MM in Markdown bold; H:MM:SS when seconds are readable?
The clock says **2:05**
